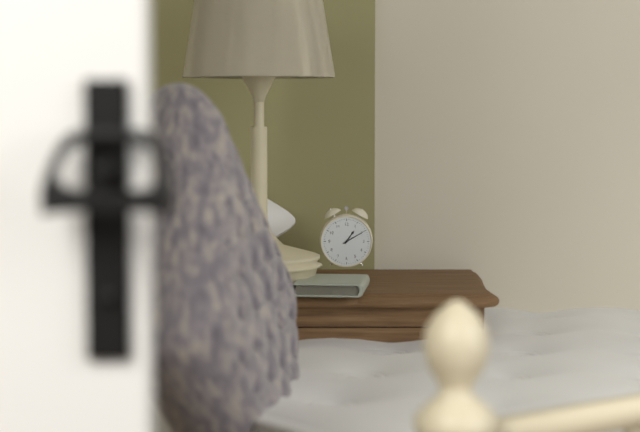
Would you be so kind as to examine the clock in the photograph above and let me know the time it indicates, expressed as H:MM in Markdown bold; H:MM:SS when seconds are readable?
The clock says **1:10**
